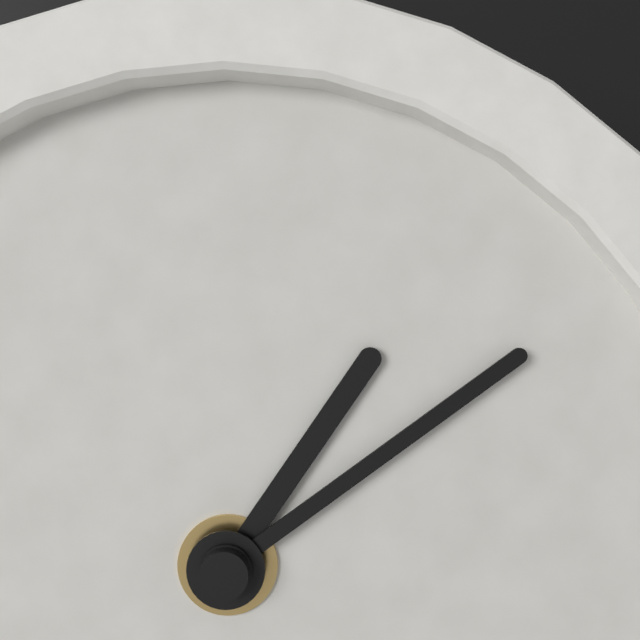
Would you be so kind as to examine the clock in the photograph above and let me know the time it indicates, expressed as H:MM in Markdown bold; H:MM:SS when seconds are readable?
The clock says **1:09**
